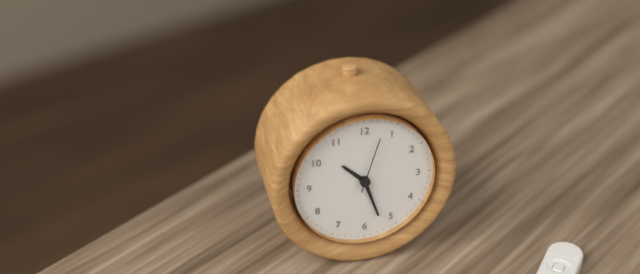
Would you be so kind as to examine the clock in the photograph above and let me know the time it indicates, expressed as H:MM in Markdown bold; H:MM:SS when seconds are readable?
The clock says **10:27:03**
